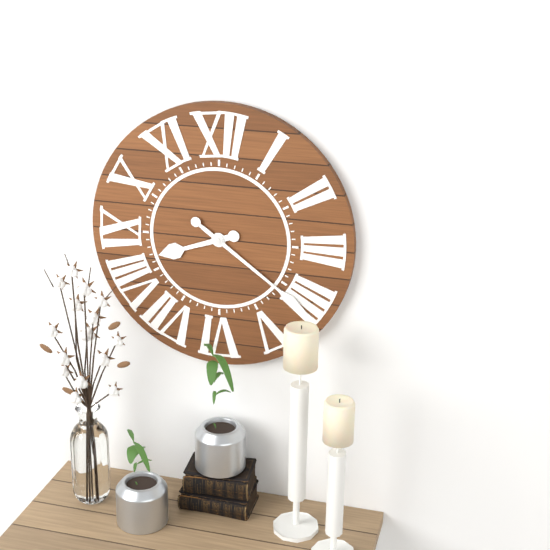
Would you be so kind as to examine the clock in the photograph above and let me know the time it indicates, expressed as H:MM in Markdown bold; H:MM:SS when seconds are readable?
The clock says **8:21**
